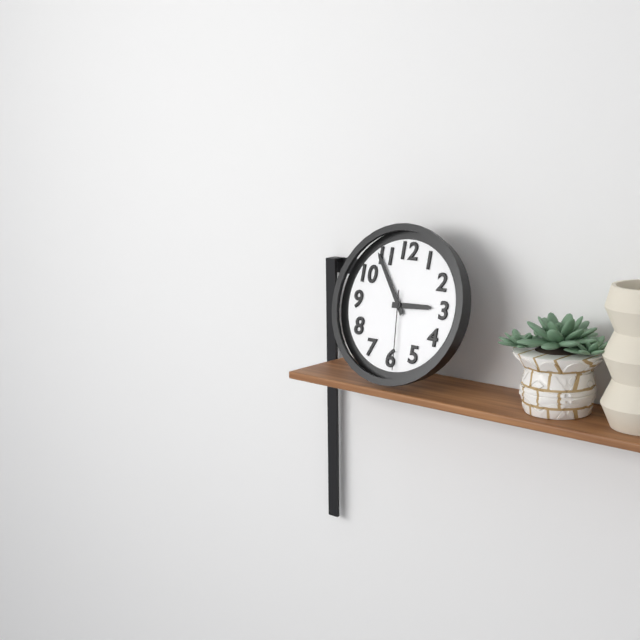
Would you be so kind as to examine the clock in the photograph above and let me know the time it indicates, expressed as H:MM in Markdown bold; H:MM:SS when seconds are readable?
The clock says **2:54:29**
